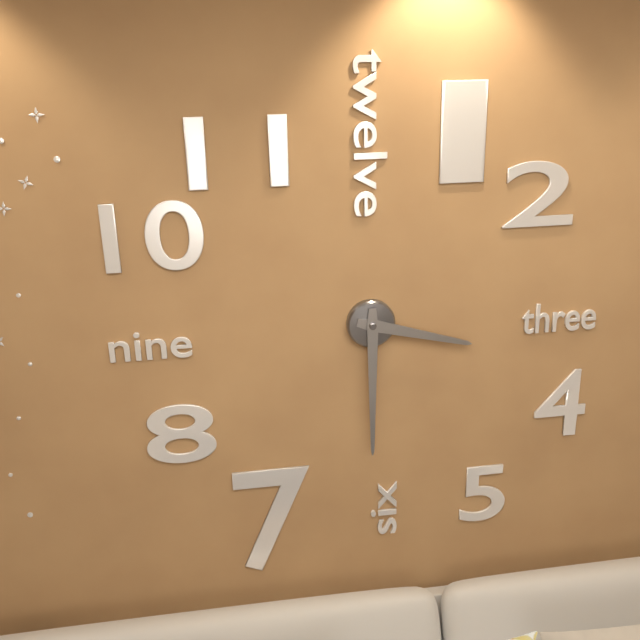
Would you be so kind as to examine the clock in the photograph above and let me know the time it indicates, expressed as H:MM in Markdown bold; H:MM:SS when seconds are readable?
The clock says **3:30**
